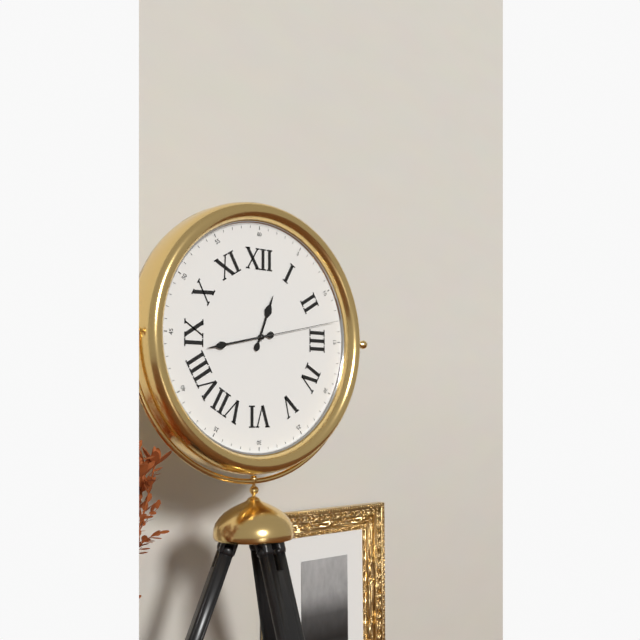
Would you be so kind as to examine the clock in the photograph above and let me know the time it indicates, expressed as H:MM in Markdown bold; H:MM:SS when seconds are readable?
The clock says **12:43:13**
